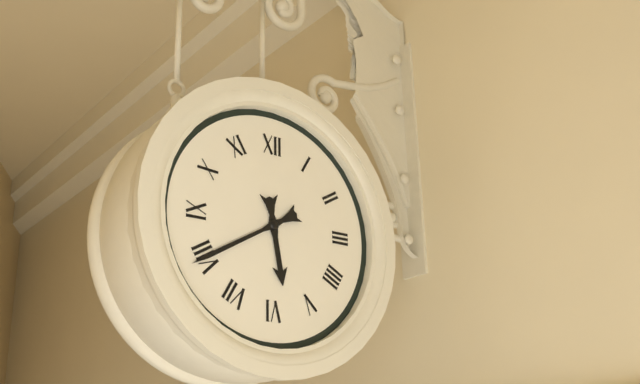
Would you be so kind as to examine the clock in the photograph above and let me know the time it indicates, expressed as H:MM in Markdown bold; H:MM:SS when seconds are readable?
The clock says **5:40**
